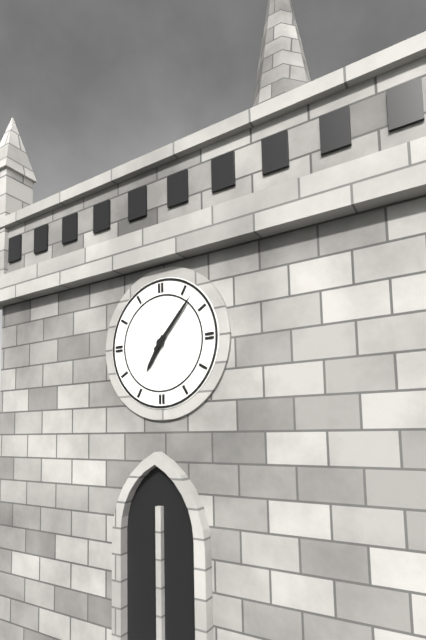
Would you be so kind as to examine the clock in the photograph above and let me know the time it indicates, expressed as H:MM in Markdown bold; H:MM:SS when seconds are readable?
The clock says **7:07**
